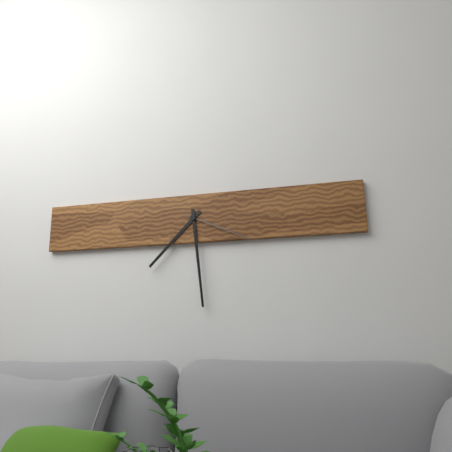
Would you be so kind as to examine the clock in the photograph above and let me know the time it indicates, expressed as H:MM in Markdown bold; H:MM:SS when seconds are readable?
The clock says **7:29:19**
